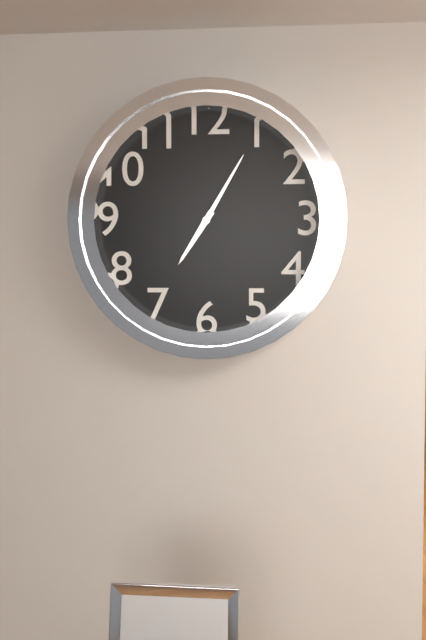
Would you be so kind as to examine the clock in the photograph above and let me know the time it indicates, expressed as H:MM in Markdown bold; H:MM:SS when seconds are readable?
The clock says **7:05**
